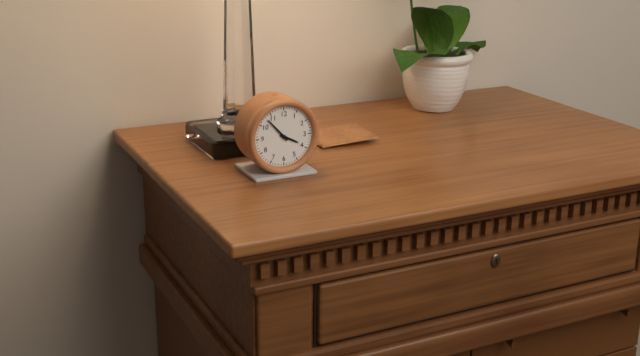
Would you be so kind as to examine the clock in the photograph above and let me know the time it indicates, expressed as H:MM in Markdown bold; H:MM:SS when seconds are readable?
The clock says **3:53**
